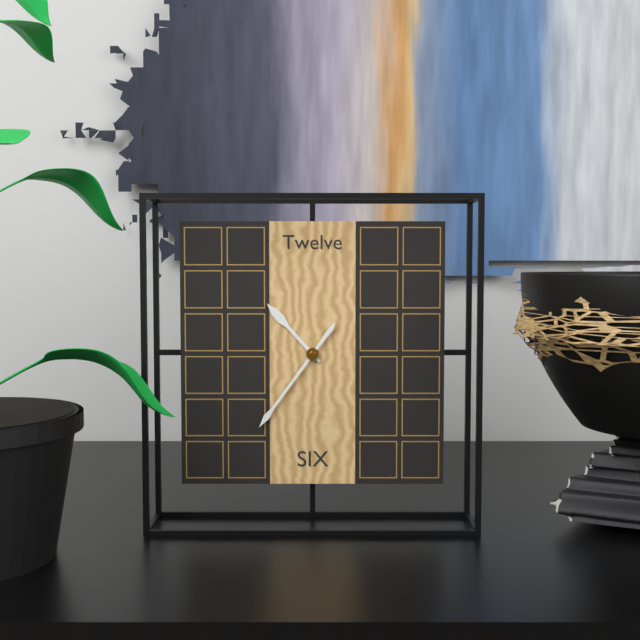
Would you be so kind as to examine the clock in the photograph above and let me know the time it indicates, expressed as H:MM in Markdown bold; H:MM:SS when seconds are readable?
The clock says **10:36**
